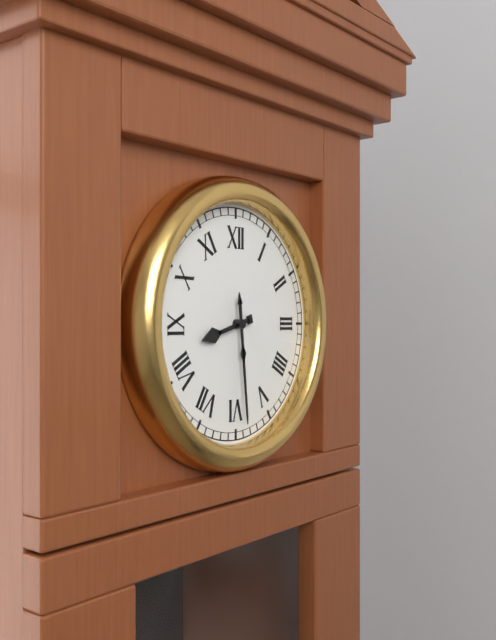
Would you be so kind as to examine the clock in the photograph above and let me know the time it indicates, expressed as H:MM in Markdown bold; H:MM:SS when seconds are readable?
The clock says **8:29**
